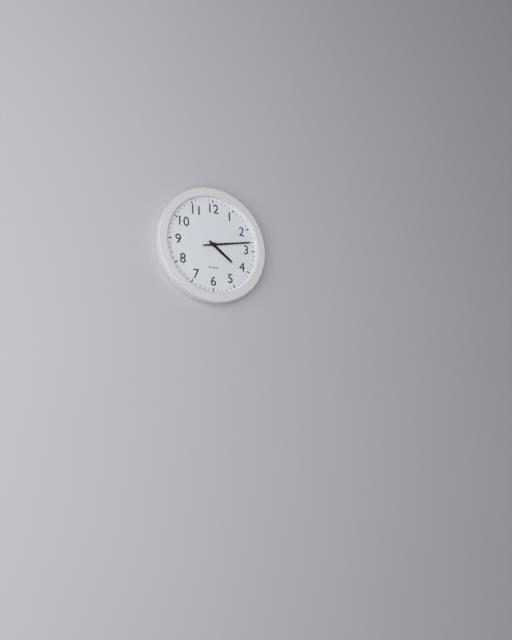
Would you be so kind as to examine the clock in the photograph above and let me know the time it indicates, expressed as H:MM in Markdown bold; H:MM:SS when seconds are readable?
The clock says **4:13**
